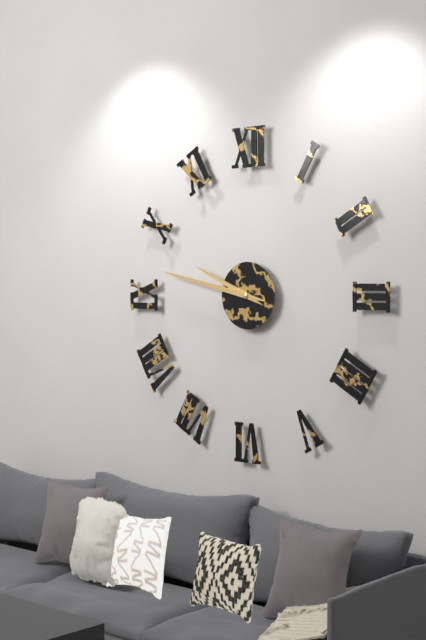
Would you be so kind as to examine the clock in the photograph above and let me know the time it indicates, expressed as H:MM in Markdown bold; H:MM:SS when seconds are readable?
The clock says **9:47**
